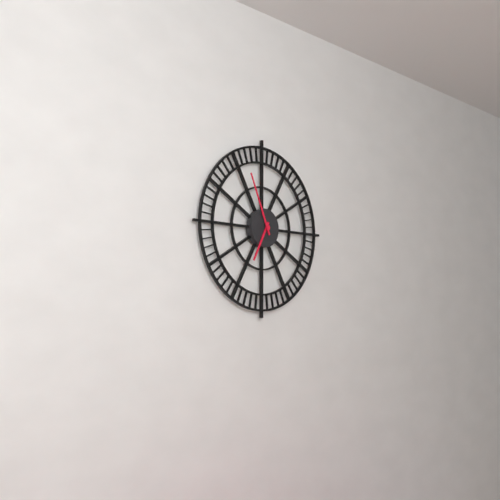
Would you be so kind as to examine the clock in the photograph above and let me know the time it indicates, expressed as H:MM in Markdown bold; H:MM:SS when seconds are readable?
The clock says **6:56**
